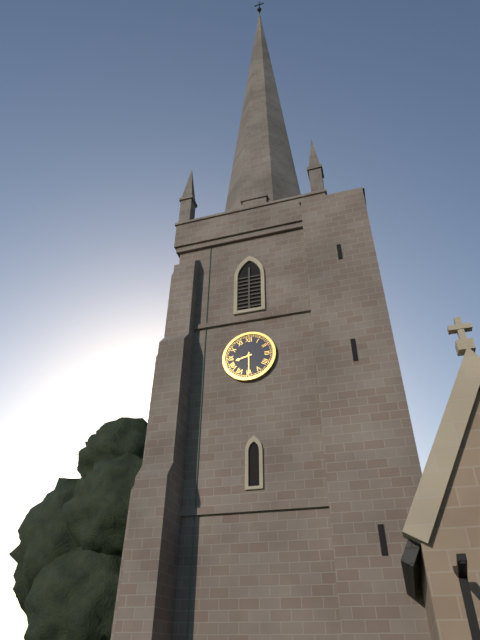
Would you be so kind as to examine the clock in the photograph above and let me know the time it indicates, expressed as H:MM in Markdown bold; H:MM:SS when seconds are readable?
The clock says **8:30**
